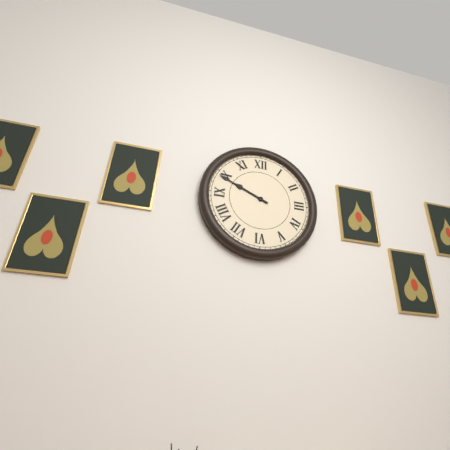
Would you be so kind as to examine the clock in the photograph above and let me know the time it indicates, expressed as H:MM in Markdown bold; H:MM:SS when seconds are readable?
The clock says **9:49**
